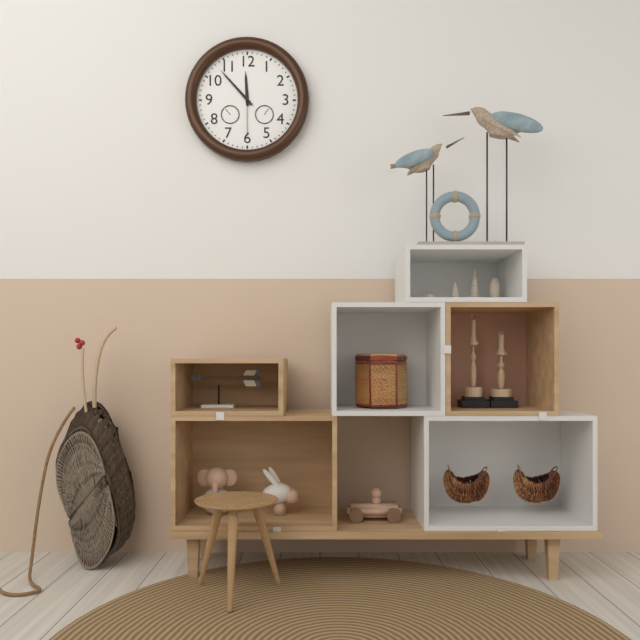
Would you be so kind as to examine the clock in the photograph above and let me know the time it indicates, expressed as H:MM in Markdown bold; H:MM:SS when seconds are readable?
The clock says **11:53**
